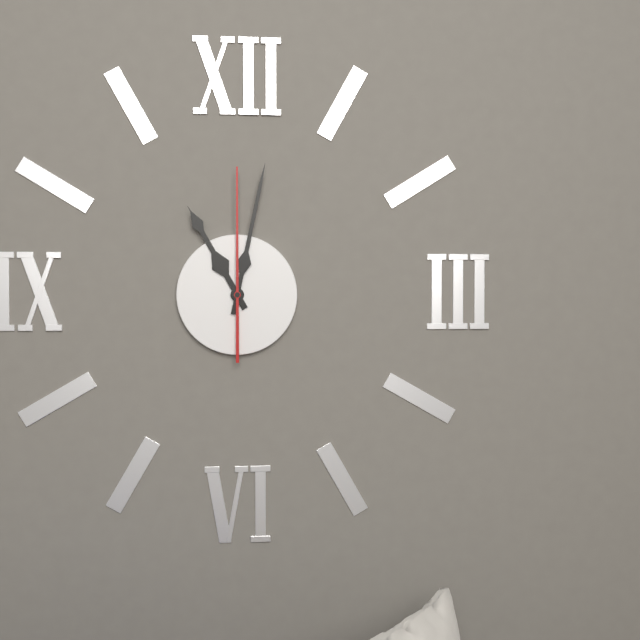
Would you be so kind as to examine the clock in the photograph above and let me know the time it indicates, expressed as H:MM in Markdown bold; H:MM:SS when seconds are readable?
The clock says **11:02:00**
